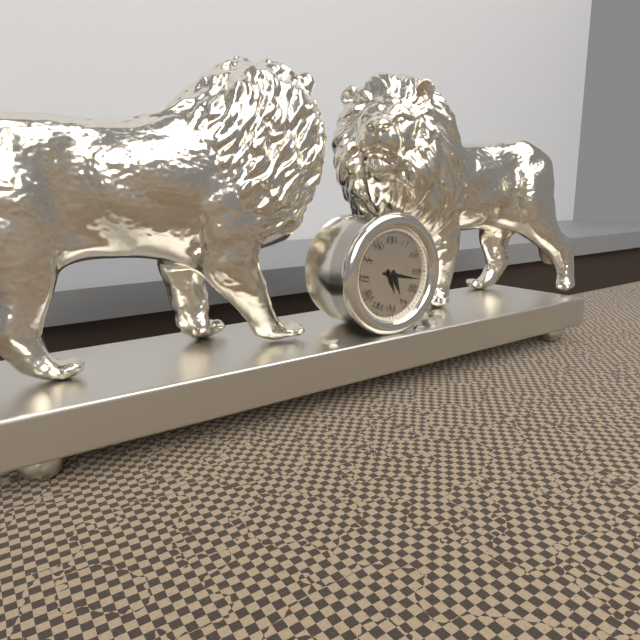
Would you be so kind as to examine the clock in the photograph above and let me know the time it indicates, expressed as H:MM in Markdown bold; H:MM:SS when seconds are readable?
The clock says **5:17**
